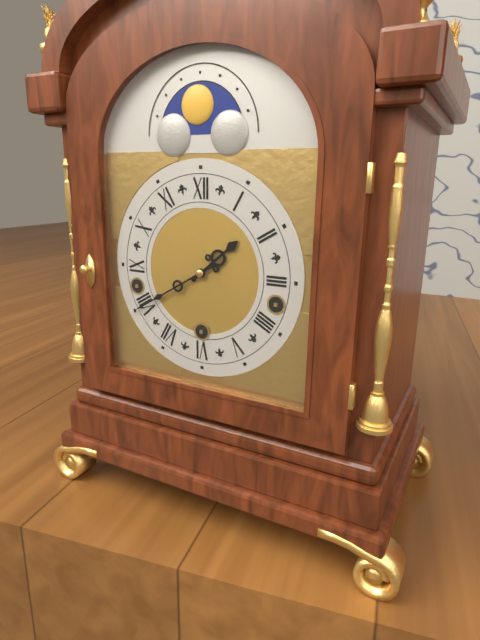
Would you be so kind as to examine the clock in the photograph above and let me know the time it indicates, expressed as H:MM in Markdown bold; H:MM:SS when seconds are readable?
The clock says **1:40**
